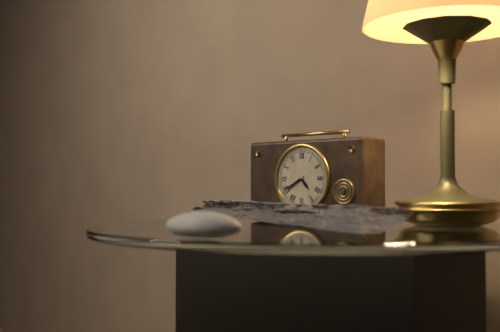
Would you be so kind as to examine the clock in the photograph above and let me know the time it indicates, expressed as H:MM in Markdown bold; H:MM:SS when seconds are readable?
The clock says **4:40**
